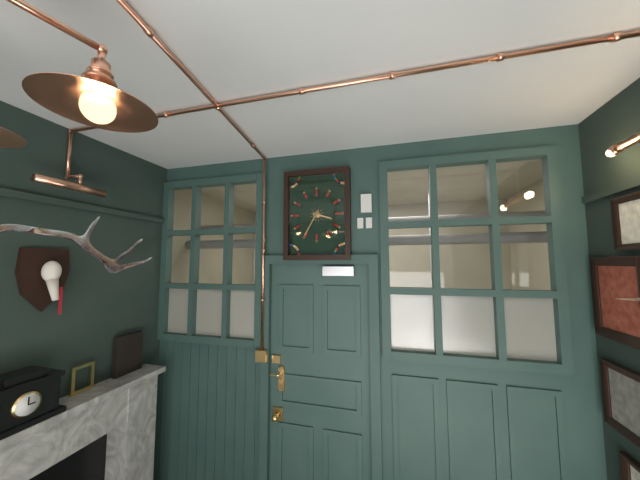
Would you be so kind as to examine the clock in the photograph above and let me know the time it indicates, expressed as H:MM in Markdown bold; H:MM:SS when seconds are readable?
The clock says **3:35**
